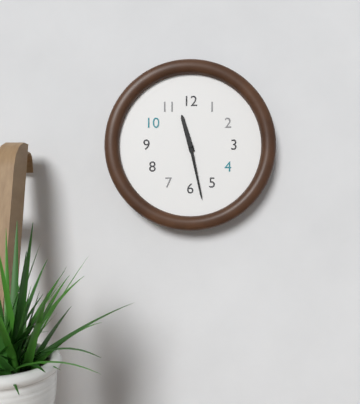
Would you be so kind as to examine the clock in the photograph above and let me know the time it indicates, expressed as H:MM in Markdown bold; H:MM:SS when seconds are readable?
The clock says **11:28**
